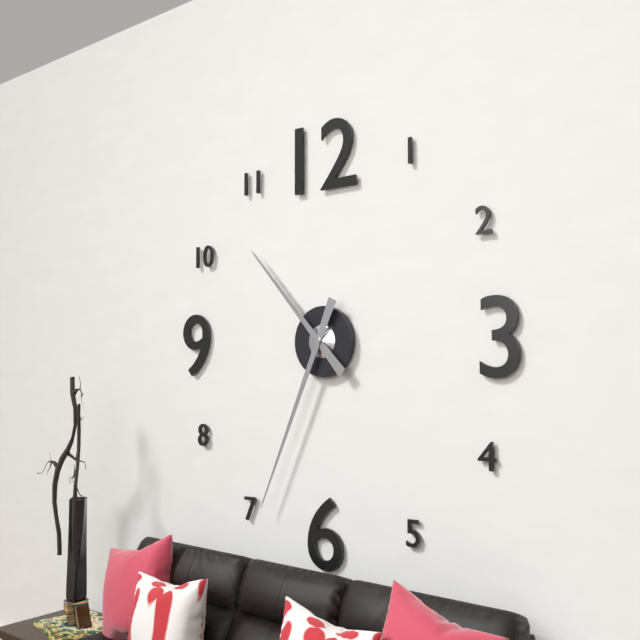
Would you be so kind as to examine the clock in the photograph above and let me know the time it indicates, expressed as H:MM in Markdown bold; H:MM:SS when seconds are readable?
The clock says **10:34**
